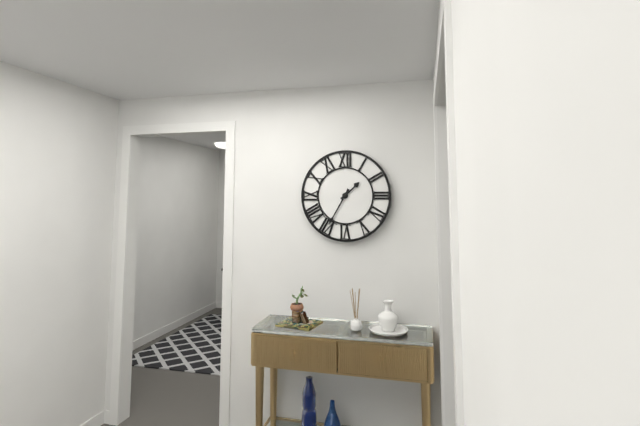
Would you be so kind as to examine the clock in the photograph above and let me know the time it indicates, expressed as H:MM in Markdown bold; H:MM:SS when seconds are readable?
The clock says **1:35**
